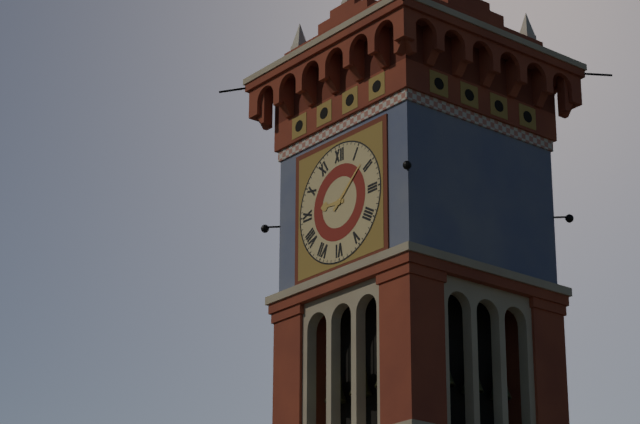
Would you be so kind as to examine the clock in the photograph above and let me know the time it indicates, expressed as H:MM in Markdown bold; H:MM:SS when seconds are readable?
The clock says **9:08**
